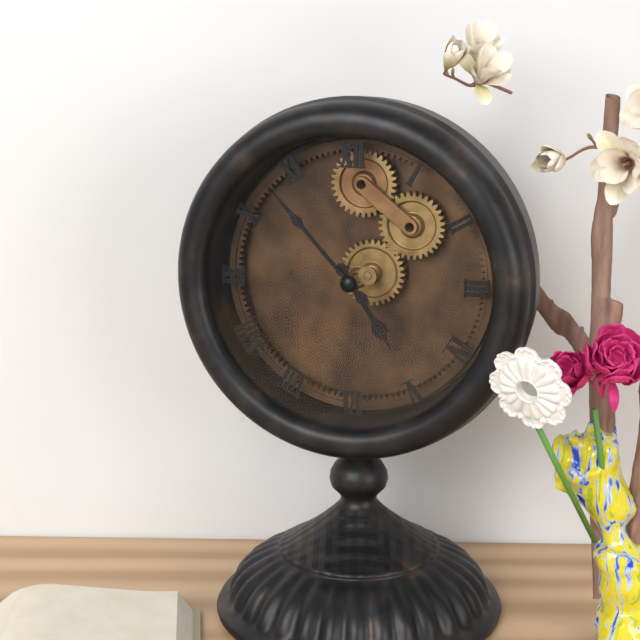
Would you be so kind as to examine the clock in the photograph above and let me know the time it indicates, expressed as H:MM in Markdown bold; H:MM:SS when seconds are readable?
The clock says **4:53**
